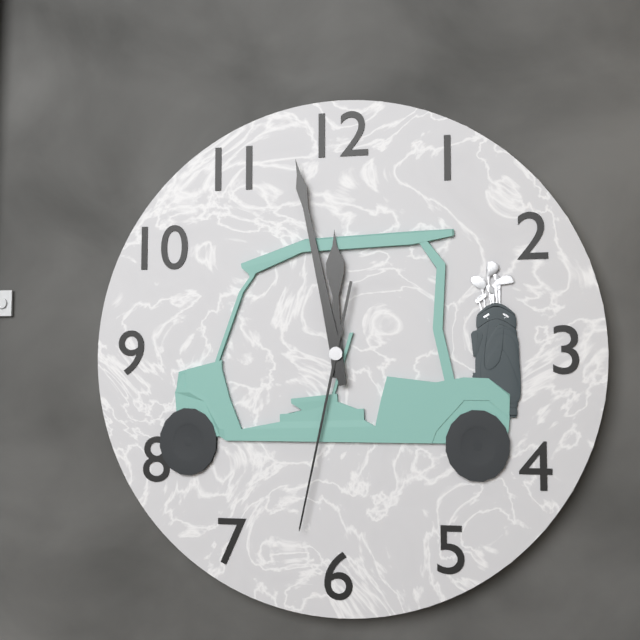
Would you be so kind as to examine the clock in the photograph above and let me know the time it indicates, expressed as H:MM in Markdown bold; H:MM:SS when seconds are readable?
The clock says **11:58:32**
